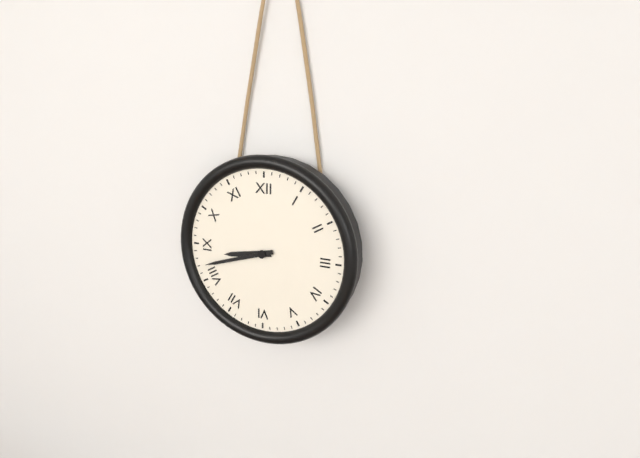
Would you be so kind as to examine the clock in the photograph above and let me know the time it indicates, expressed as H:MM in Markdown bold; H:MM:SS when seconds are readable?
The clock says **8:42**
